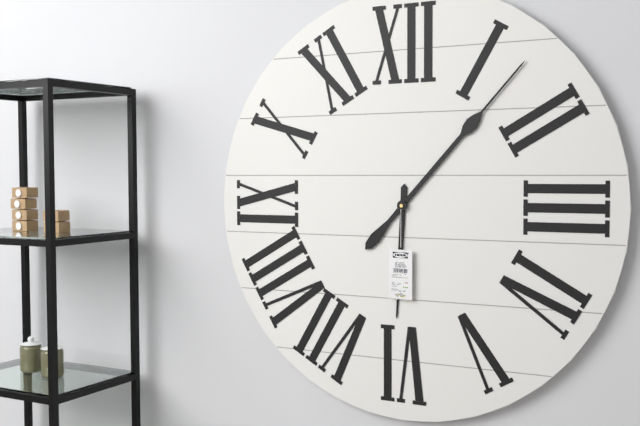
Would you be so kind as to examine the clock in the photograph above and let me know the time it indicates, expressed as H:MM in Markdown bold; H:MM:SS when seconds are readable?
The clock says **6:07**
